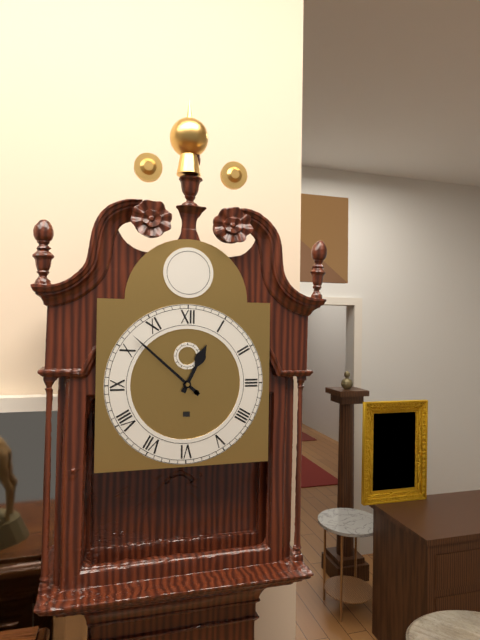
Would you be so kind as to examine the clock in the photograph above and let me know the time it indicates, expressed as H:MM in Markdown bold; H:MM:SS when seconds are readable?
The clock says **12:52**
